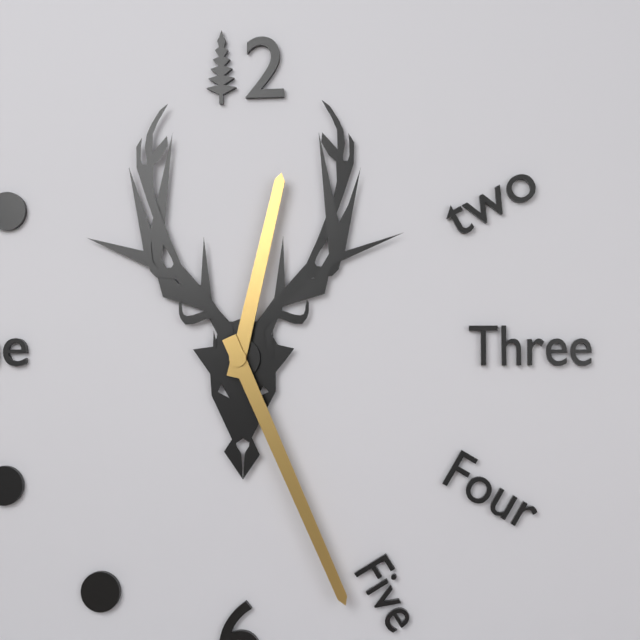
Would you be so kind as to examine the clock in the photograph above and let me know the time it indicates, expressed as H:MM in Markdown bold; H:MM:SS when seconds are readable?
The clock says **12:26**
